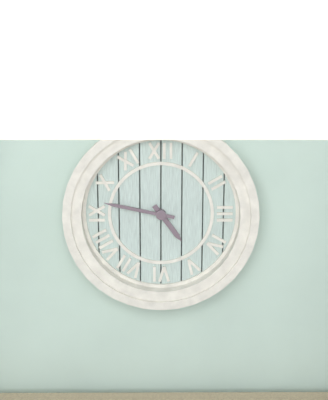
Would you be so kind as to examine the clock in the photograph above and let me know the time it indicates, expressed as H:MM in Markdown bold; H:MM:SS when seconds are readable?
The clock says **4:47**
